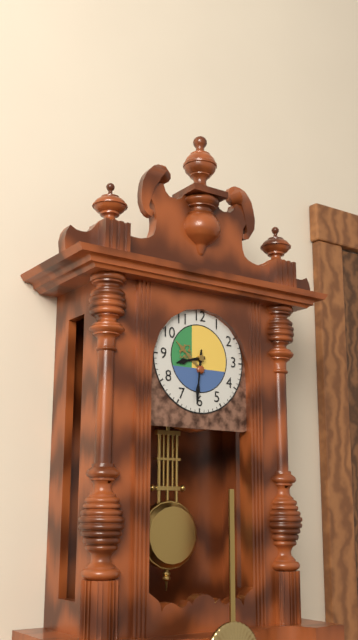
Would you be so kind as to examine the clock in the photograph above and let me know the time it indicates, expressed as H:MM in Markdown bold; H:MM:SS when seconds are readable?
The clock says **8:31**
